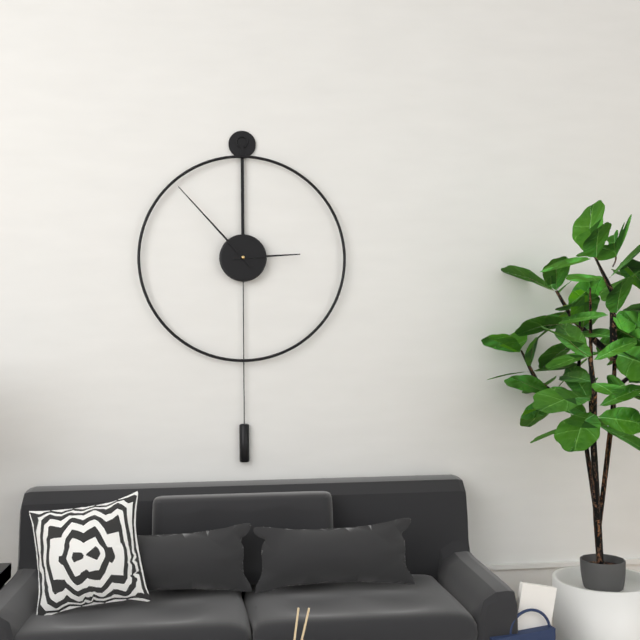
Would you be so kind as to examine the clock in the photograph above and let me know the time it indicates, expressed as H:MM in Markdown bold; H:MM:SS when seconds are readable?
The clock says **2:53**
